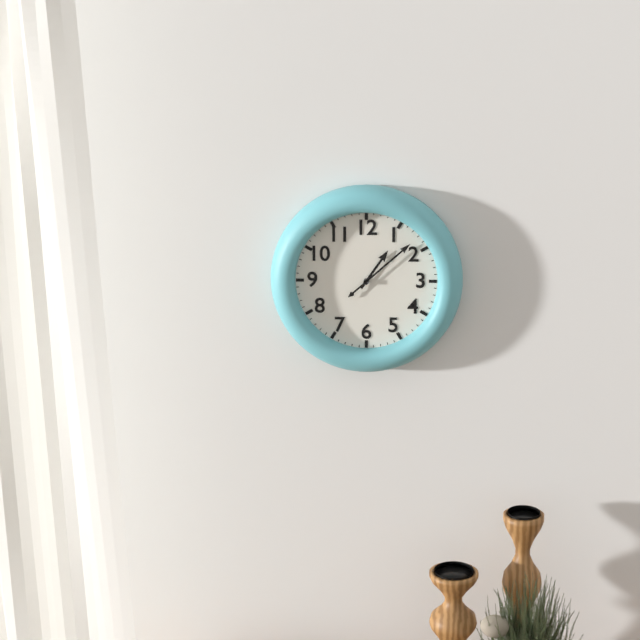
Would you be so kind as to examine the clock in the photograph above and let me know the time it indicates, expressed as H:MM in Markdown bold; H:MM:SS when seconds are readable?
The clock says **1:08**
